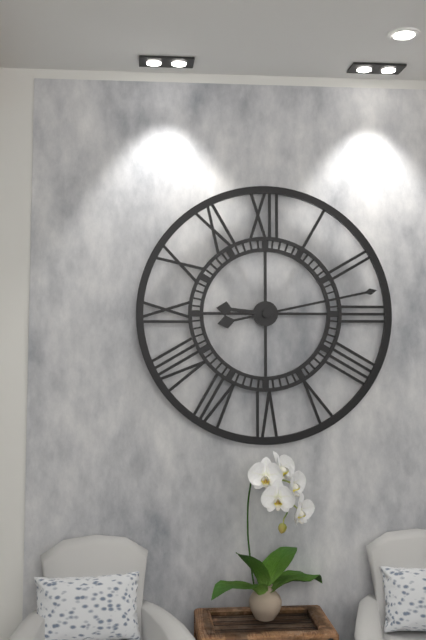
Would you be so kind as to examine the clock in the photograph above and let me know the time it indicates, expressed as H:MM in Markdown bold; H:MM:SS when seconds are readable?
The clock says **9:13**
